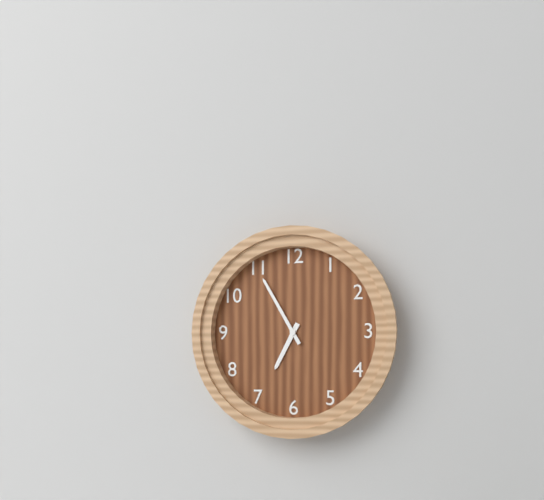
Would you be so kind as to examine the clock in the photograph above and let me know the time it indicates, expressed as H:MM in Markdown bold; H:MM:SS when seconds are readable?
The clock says **6:55**
